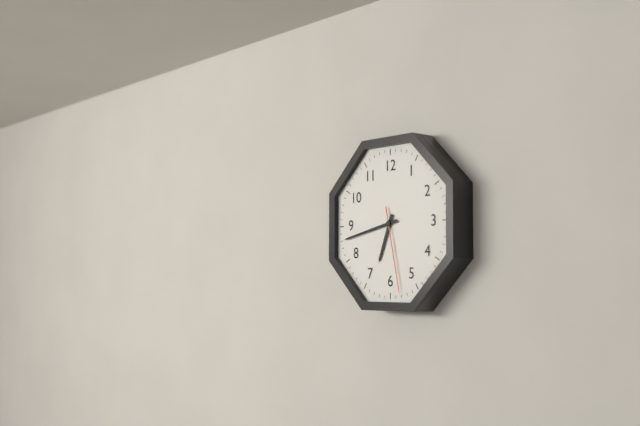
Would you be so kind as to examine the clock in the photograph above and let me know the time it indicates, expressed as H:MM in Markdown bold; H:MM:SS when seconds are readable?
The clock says **6:43:28**
